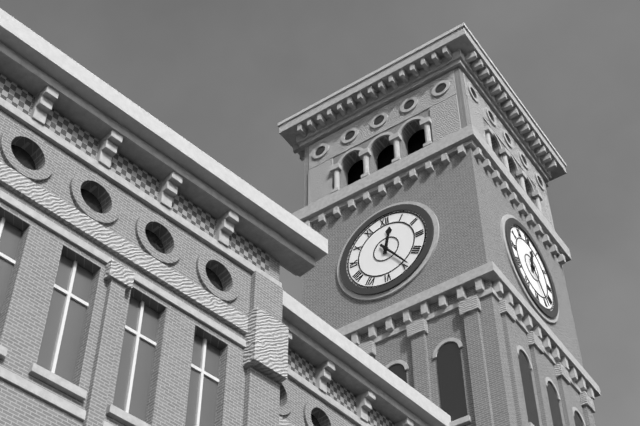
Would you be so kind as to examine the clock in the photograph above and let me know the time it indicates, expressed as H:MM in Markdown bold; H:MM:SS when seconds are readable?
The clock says **12:24**
